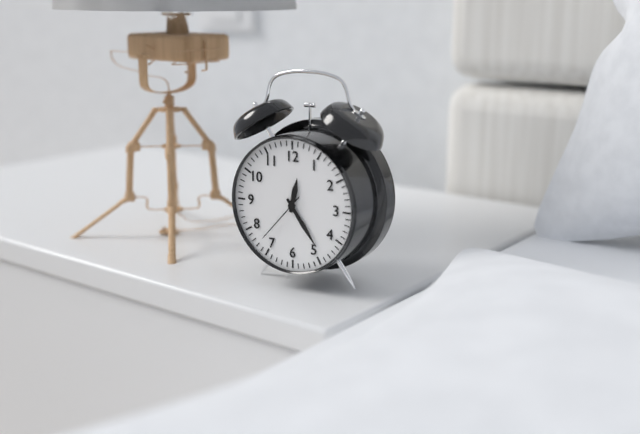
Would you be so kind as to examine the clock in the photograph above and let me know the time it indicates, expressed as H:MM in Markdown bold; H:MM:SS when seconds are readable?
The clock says **12:24:37**
